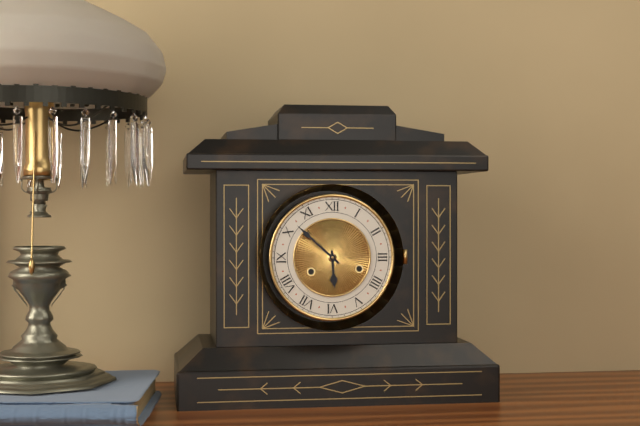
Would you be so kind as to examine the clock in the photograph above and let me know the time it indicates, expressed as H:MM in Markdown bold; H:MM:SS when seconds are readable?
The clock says **5:52**
